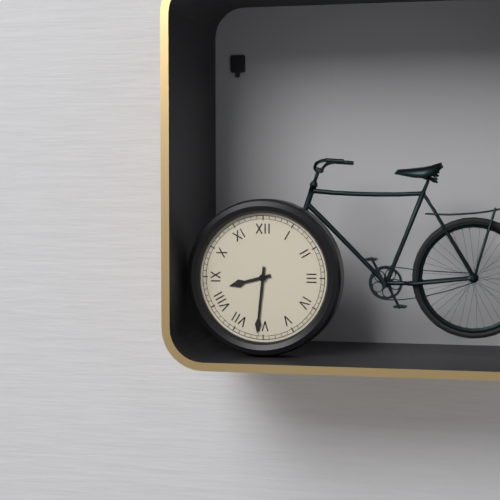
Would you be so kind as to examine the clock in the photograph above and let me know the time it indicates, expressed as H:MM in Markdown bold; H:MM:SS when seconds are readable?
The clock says **8:31**
